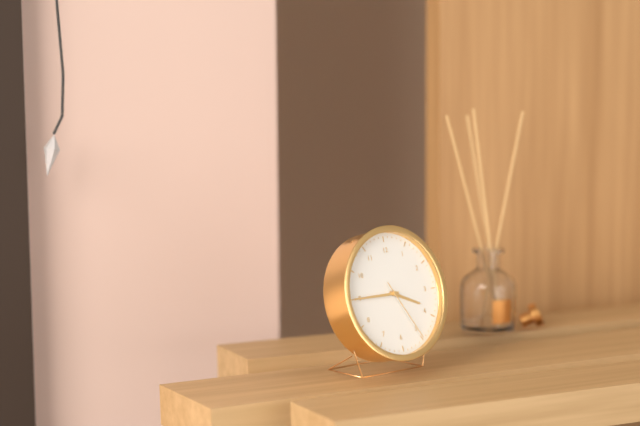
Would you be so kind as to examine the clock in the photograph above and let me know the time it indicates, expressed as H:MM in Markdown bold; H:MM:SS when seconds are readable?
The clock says **3:45:25**
